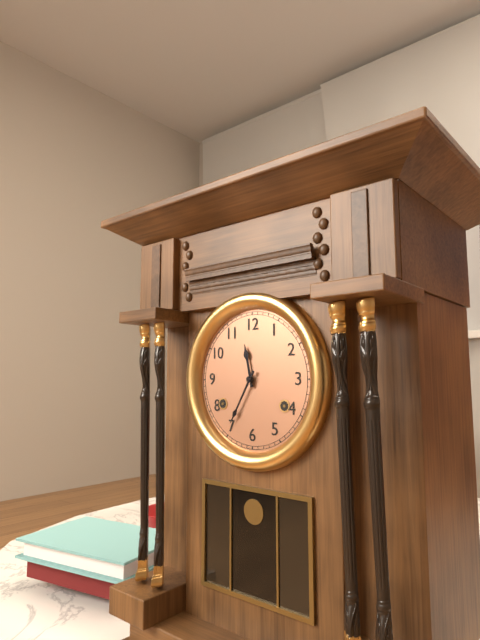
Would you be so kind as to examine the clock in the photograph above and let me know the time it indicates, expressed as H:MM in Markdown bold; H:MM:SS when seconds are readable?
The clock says **11:35**
